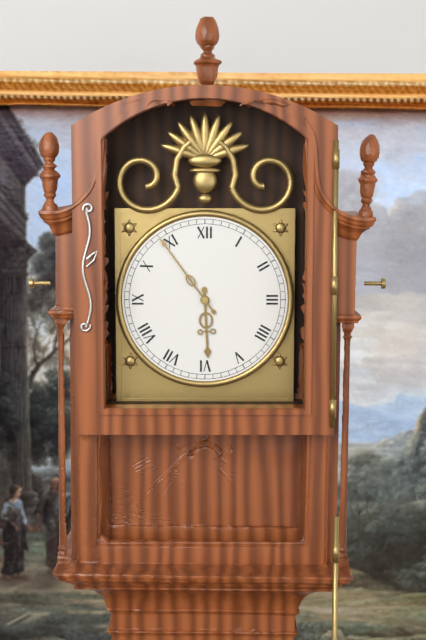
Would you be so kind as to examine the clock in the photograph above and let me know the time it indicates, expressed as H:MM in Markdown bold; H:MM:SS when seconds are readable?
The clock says **5:54**
